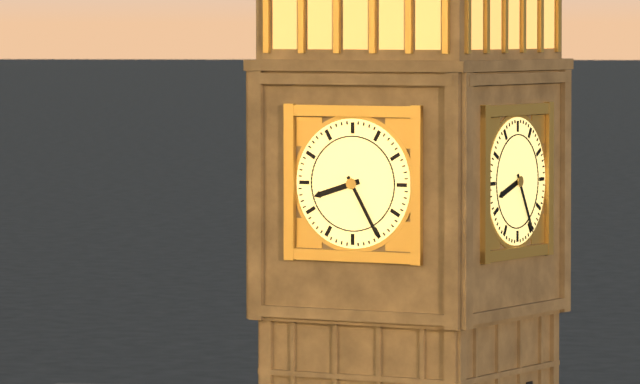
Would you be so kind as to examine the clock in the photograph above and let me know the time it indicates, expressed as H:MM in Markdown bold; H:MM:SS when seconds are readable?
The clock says **8:25**
